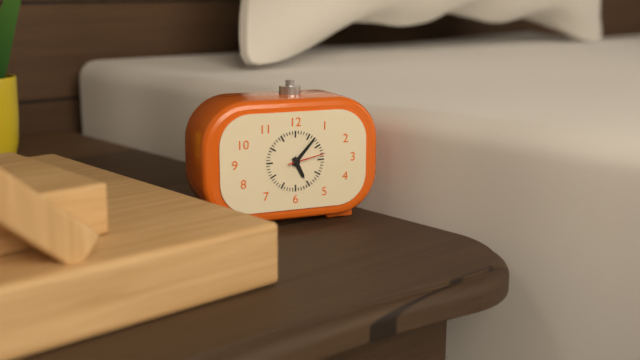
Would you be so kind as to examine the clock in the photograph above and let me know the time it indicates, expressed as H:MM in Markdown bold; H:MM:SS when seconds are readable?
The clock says **5:07**
